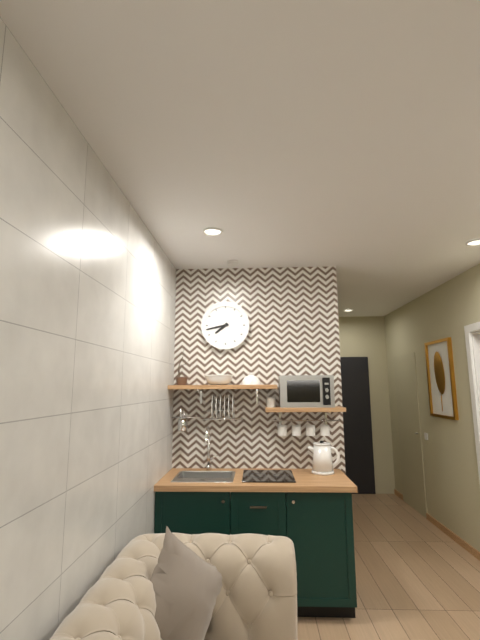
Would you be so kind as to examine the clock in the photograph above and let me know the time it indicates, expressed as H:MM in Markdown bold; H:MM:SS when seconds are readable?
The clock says **7:43**
